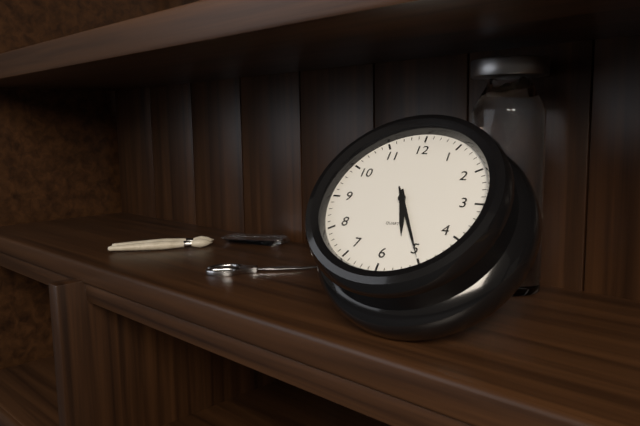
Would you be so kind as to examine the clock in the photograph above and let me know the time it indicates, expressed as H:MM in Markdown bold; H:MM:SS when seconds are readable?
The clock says **5:25**
